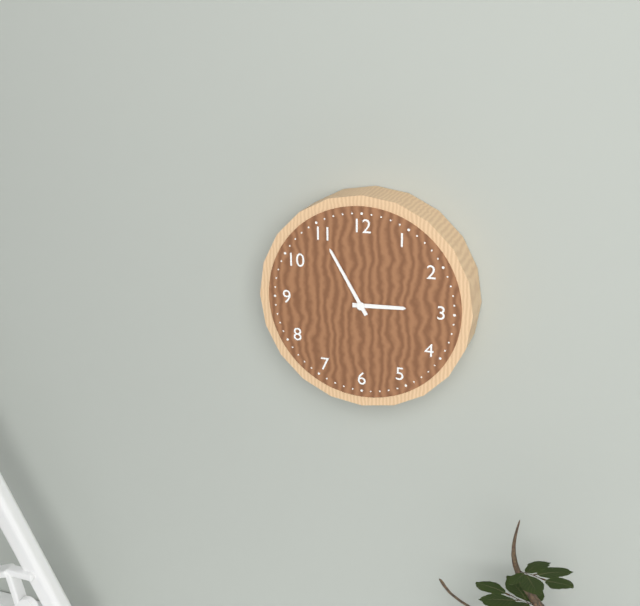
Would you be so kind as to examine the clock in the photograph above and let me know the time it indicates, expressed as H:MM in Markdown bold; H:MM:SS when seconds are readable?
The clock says **2:55**
